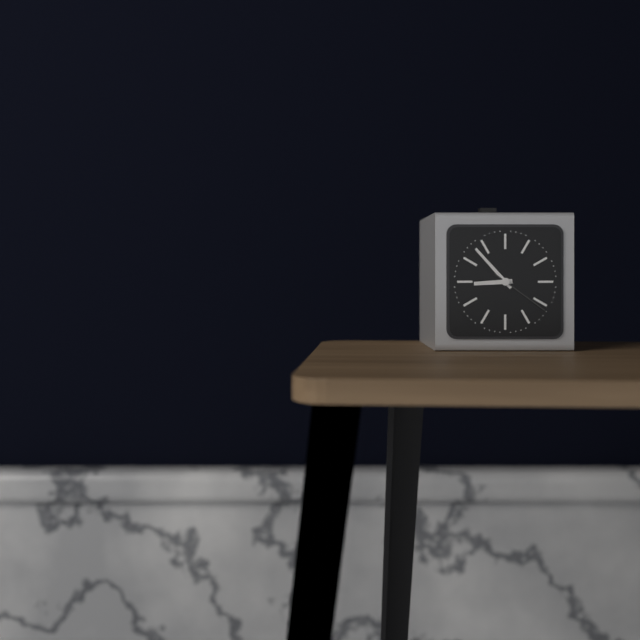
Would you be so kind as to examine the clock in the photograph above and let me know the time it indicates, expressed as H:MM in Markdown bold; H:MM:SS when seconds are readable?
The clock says **8:53:21**
